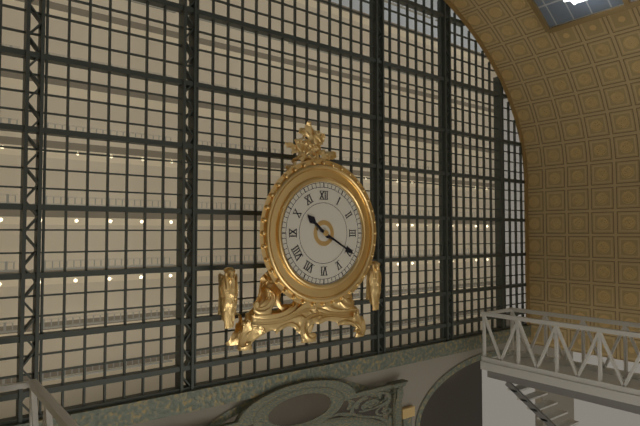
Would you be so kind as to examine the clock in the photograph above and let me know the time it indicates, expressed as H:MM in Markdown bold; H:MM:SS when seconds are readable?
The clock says **10:20**
